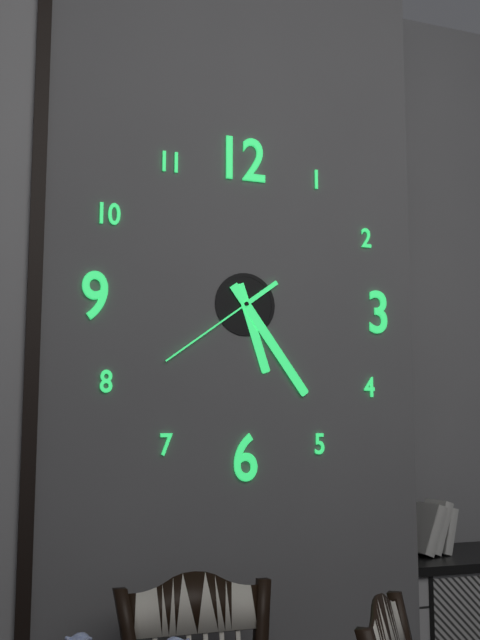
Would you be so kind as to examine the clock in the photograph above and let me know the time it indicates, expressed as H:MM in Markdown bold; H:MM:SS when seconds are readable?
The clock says **5:24:39**
